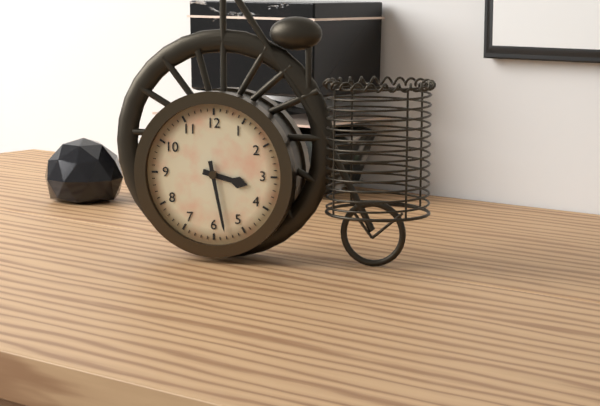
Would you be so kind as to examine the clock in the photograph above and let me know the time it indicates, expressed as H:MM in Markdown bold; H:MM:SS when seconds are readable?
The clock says **3:28**
